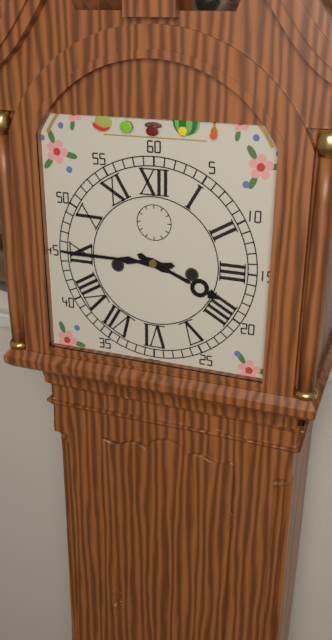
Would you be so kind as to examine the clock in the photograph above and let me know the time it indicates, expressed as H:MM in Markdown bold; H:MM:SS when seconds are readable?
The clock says **3:45**
